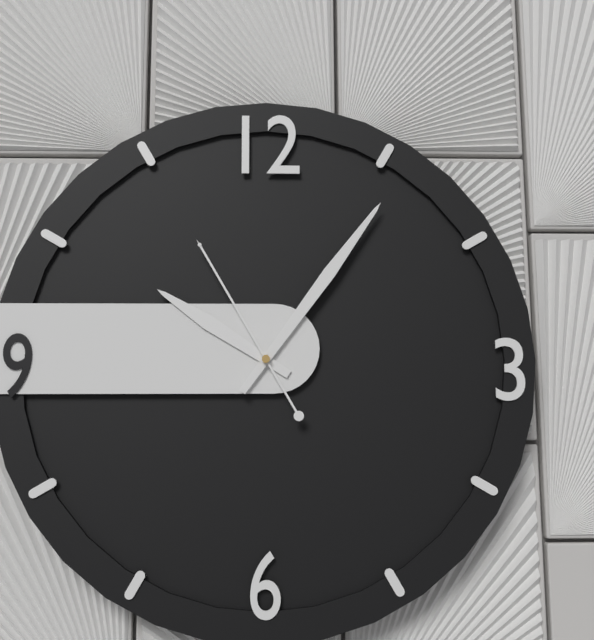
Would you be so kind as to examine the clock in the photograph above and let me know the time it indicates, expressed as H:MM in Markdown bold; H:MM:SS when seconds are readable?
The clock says **10:06:55**
